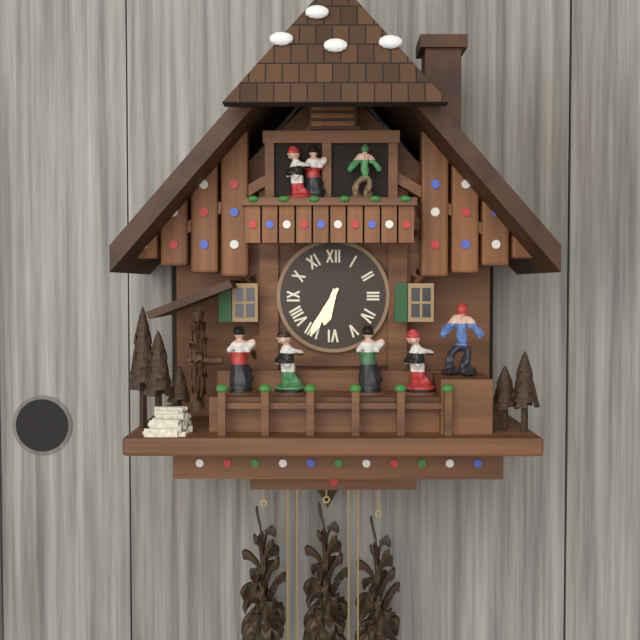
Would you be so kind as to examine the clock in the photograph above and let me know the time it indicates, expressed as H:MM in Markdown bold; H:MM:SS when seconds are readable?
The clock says **6:35**
